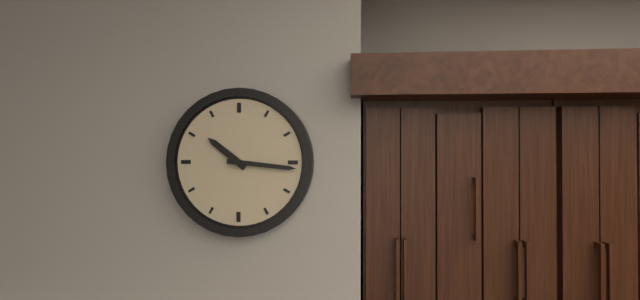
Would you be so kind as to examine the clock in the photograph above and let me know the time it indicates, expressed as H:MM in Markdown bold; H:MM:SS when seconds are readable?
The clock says **10:16**
